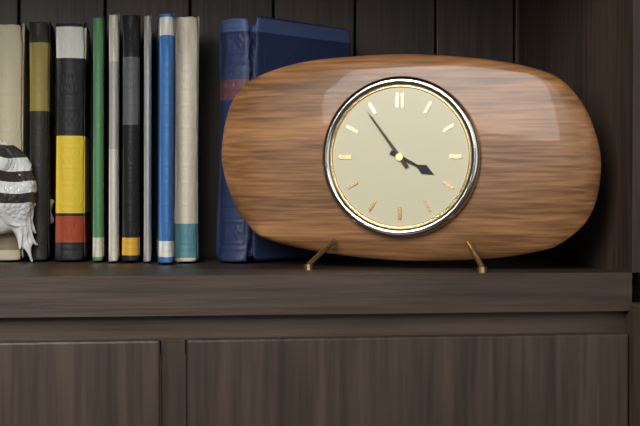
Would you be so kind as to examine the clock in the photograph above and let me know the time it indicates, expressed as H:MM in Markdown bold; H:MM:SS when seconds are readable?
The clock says **3:54**
